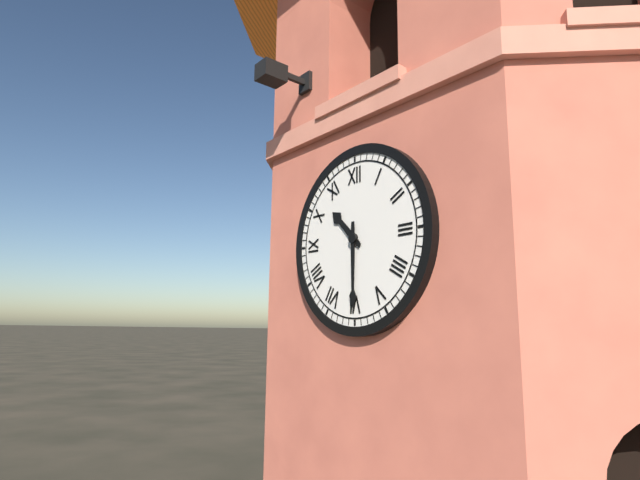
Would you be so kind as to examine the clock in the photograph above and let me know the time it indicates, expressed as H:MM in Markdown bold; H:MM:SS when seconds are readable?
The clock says **10:30**
